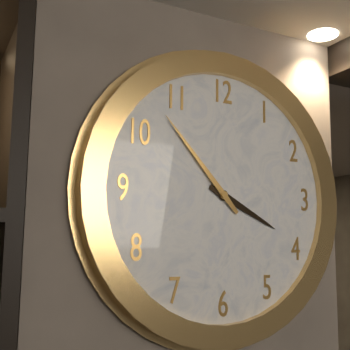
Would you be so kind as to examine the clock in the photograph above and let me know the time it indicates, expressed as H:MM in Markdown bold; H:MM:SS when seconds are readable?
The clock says **3:53**
